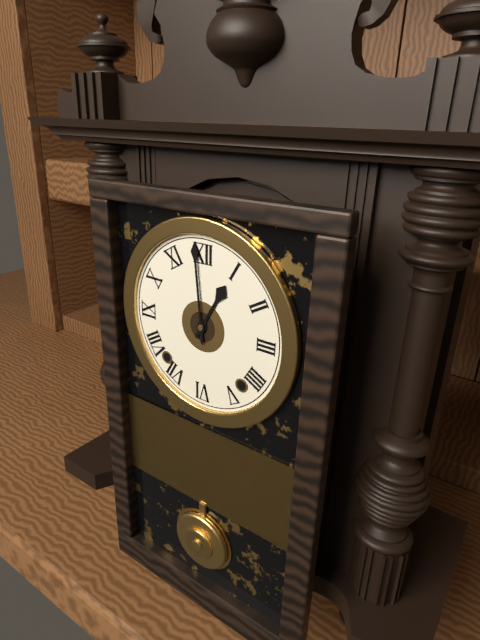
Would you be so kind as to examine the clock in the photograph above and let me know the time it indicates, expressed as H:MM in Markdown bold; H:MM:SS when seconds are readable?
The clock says **12:59**
